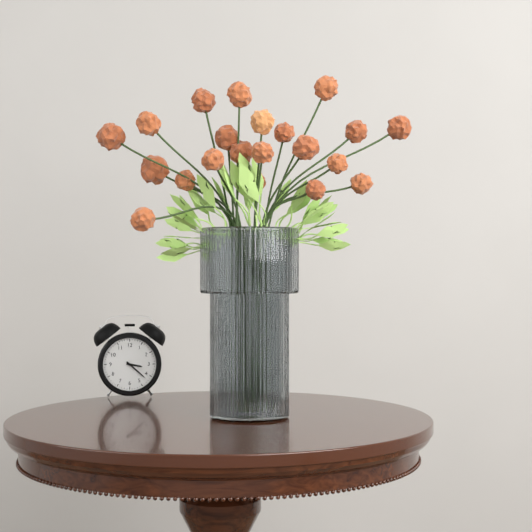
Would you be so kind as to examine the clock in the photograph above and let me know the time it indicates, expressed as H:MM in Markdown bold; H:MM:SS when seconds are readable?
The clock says **3:22**
